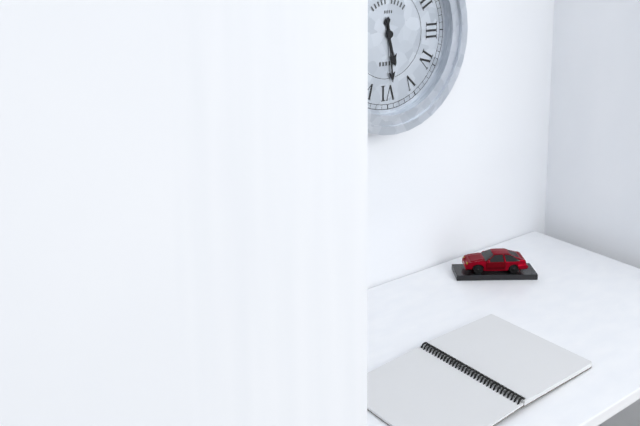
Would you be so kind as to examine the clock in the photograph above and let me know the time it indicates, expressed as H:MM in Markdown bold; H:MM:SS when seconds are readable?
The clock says **5:29**
